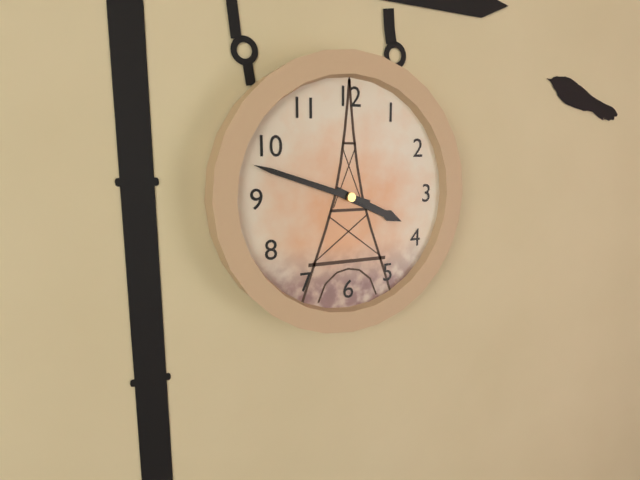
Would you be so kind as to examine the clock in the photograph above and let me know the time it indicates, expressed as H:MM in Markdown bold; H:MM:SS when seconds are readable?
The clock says **3:48**
